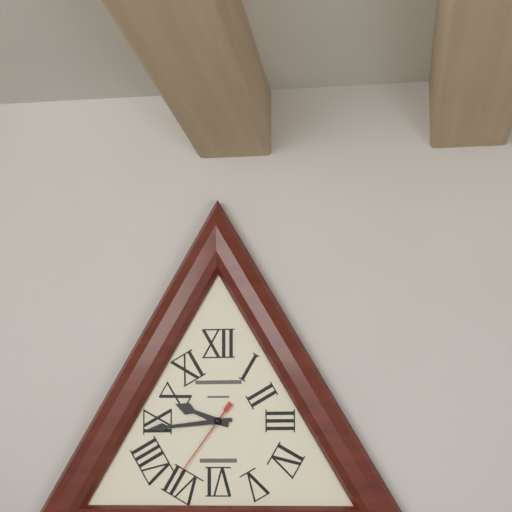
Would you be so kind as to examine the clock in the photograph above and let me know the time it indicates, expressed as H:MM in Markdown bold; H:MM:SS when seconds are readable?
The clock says **9:44:36**
